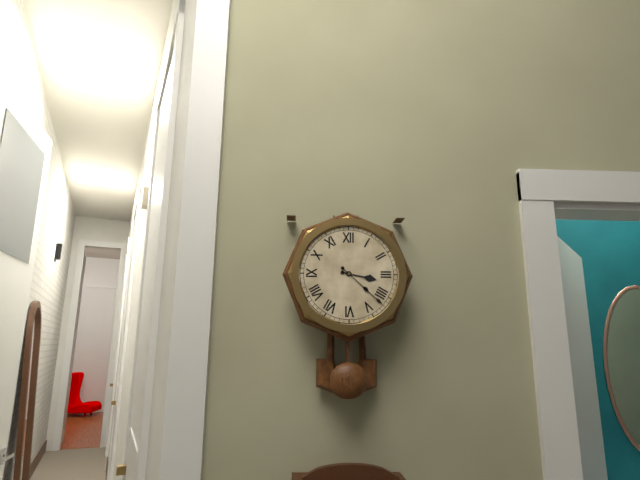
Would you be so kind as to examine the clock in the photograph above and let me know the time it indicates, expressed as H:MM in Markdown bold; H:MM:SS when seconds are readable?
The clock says **3:22**
